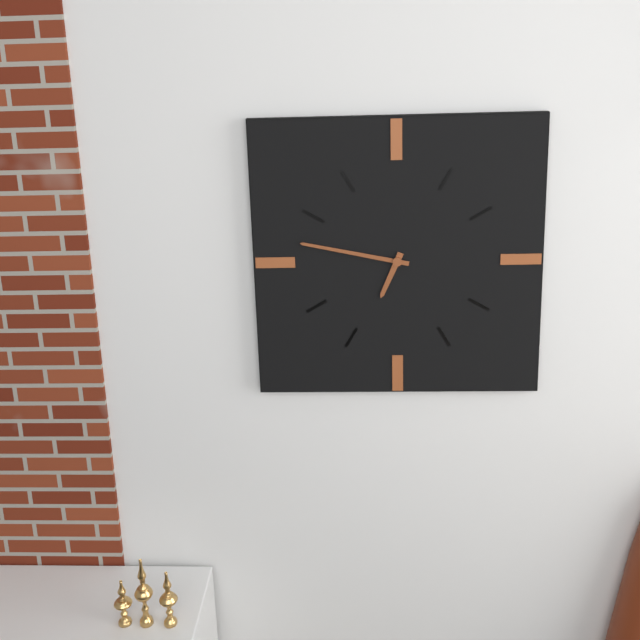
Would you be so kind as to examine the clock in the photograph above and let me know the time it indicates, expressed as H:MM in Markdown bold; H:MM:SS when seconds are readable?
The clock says **6:47**
